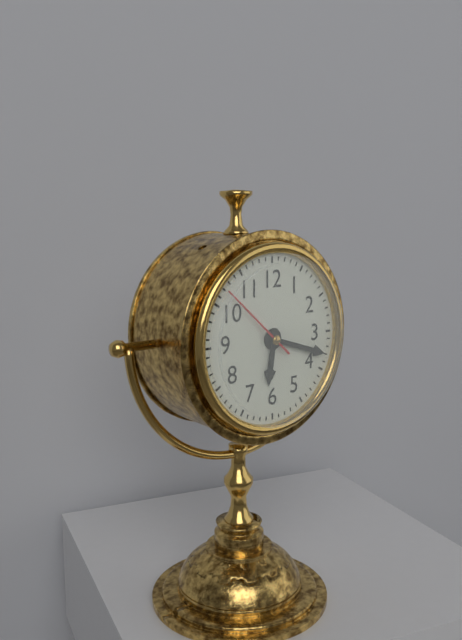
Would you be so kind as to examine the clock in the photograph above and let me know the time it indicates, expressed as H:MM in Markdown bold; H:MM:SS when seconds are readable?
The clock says **6:18:52**
